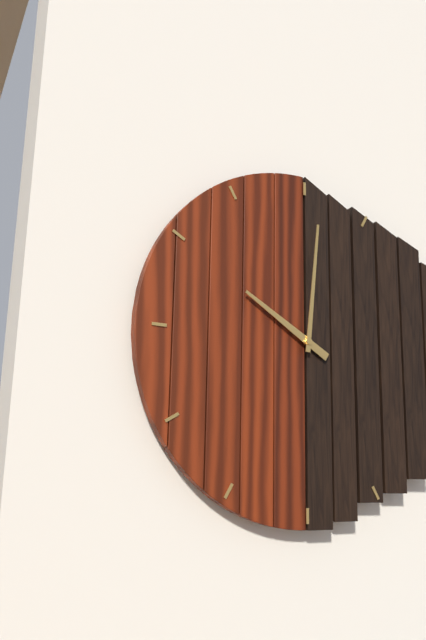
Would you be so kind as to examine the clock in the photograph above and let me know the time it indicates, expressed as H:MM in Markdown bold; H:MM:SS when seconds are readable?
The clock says **10:01**
